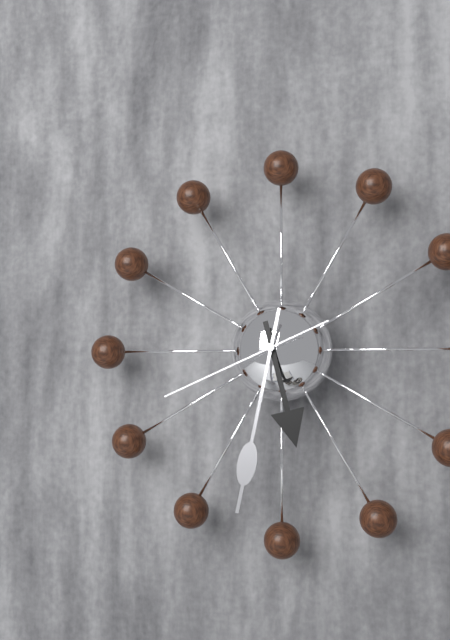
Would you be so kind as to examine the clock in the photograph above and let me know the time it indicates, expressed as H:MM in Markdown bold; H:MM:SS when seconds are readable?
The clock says **5:32:41**
